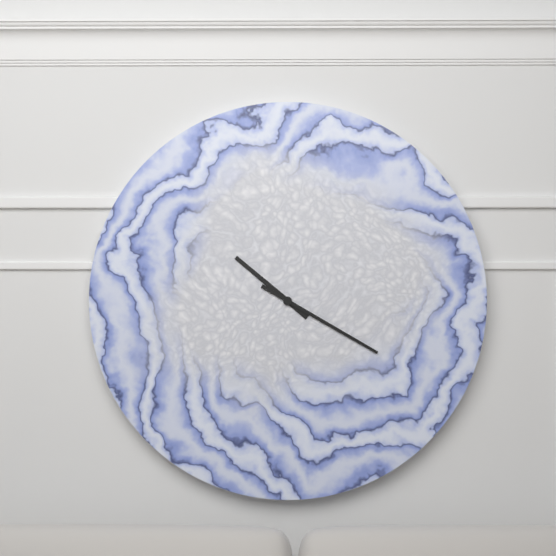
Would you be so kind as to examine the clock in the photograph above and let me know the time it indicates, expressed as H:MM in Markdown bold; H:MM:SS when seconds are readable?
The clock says **10:20**
